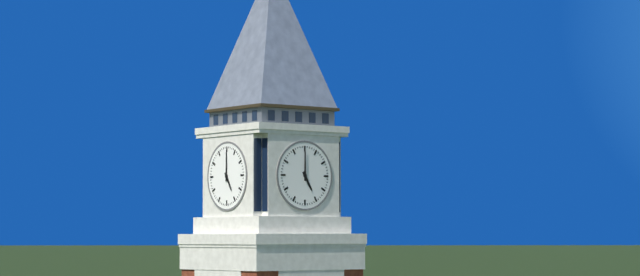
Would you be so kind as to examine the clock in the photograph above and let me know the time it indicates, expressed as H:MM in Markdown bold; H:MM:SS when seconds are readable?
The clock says **5:00**
